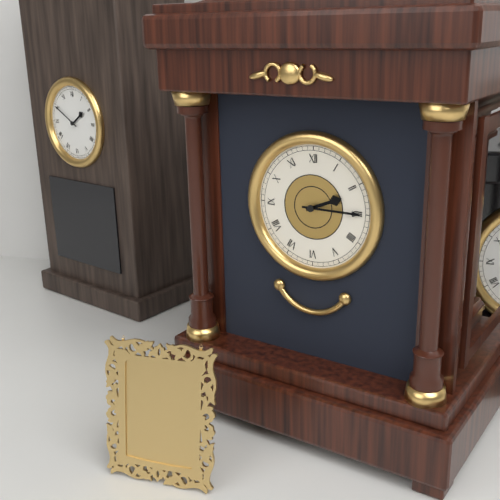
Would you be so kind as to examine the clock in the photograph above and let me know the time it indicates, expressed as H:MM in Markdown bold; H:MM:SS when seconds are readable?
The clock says **2:15**
